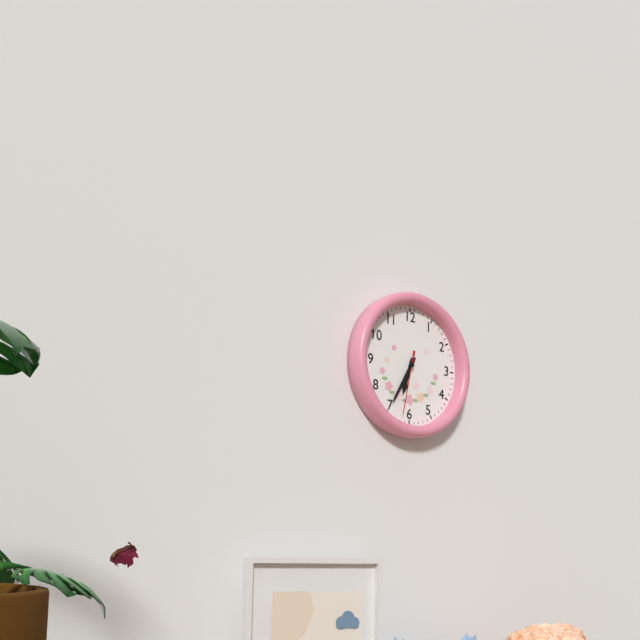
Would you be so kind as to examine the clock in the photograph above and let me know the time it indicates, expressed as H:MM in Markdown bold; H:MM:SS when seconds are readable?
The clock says **6:35:32**
